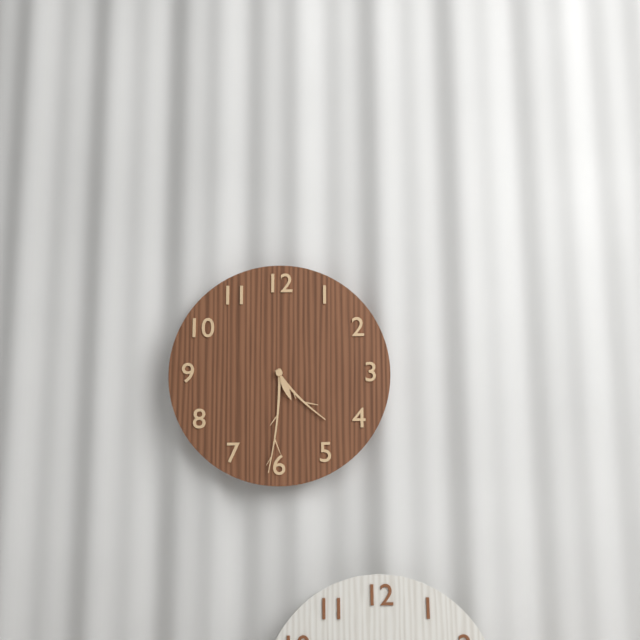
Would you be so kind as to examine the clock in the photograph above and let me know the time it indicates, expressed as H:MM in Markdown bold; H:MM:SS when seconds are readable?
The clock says **4:31**
